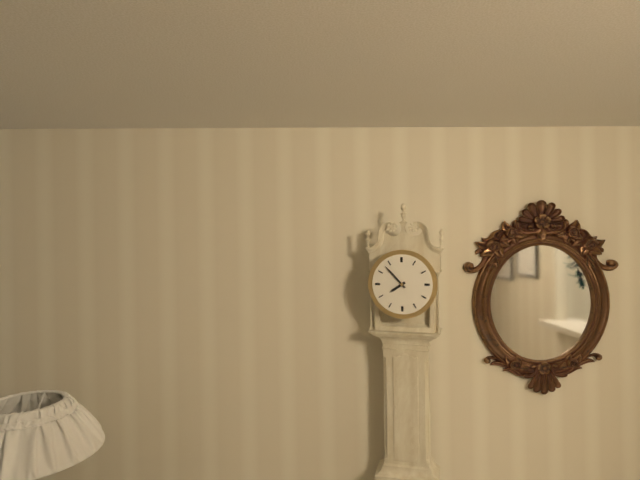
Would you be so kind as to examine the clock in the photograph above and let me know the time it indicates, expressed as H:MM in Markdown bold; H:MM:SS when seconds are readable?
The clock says **7:53**
